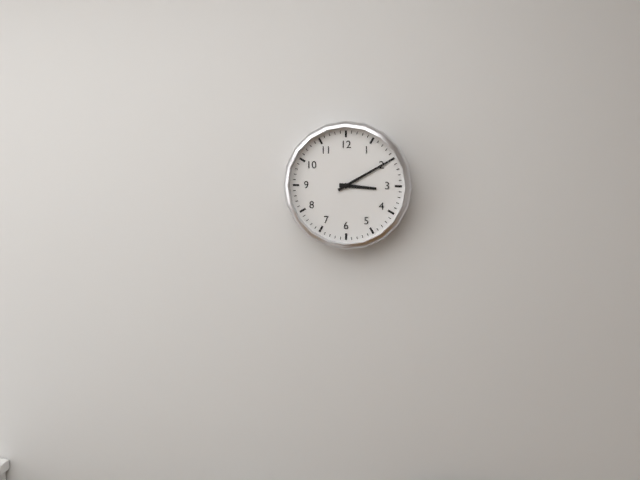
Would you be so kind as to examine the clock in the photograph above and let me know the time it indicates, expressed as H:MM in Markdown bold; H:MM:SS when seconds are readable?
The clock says **3:10**
